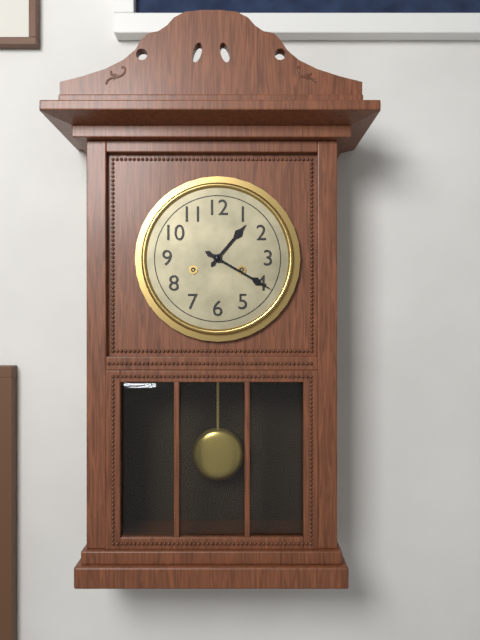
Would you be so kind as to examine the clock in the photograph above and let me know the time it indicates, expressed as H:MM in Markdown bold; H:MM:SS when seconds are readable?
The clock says **1:20**
